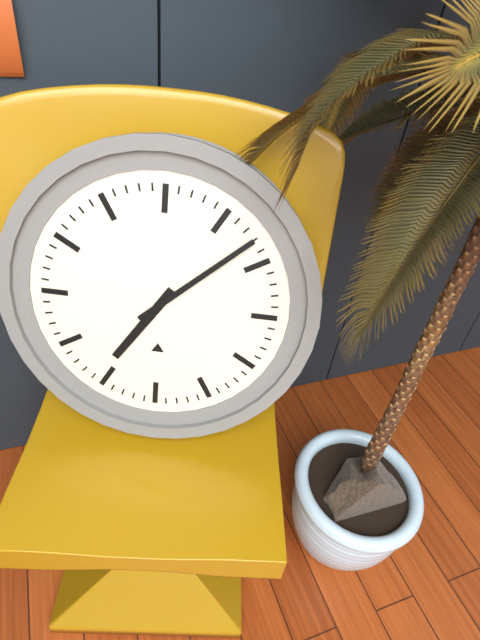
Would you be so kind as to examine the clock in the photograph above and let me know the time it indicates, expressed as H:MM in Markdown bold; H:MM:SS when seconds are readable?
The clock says **7:08**
